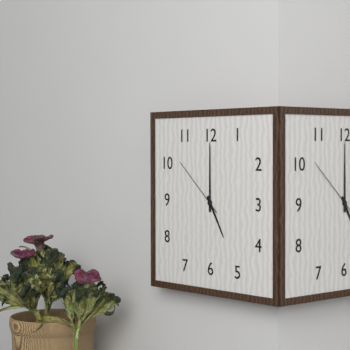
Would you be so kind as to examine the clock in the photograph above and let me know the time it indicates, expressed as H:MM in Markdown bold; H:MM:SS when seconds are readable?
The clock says **5:00:52**
